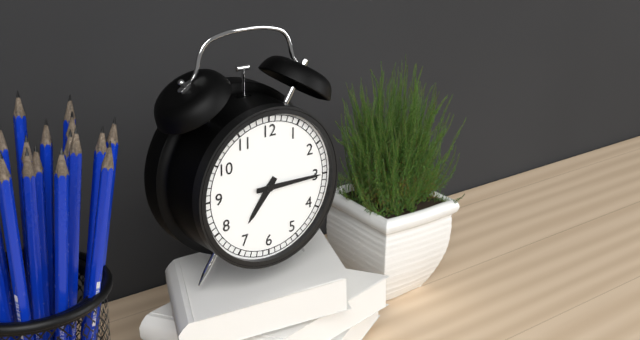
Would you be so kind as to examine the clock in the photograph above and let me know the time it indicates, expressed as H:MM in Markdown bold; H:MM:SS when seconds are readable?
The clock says **7:15**
